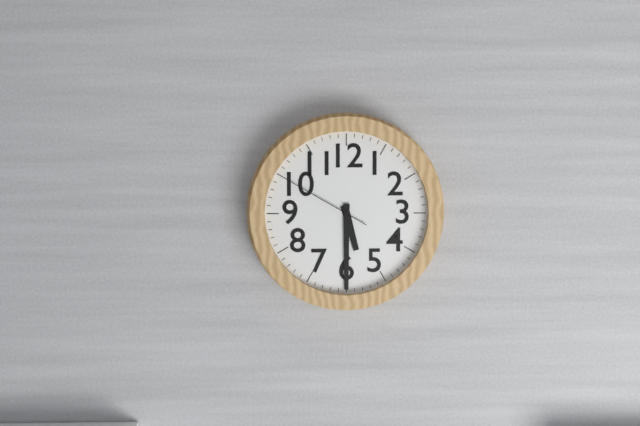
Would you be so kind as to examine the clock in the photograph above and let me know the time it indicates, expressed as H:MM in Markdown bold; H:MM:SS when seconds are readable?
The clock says **5:30:50**
